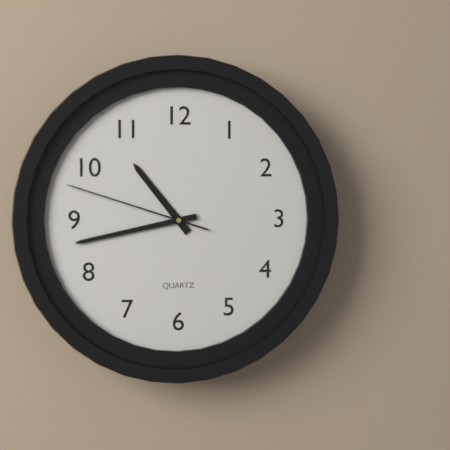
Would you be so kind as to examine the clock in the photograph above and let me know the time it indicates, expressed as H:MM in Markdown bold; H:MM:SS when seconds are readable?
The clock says **10:43:48**
